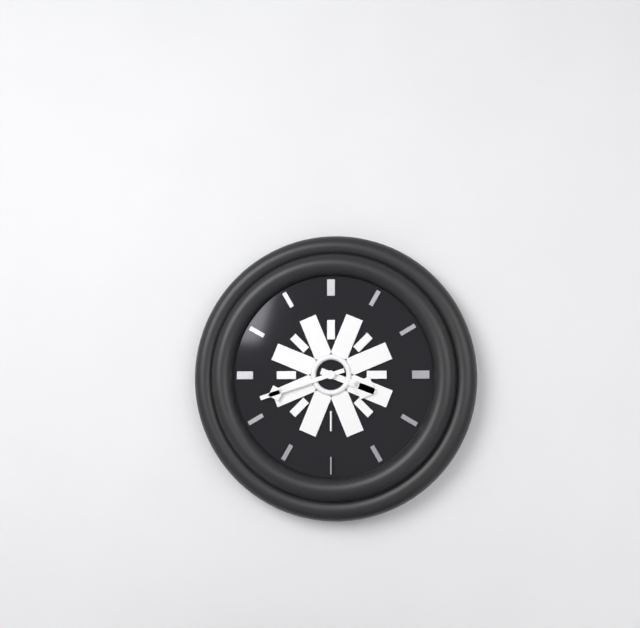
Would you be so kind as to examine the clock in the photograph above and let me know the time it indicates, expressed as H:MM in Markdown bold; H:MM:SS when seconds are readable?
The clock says **3:42**
